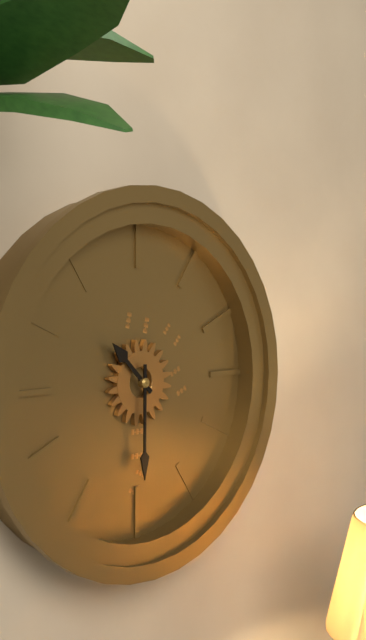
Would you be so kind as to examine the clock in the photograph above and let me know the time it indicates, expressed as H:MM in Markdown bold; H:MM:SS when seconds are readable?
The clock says **10:30**
